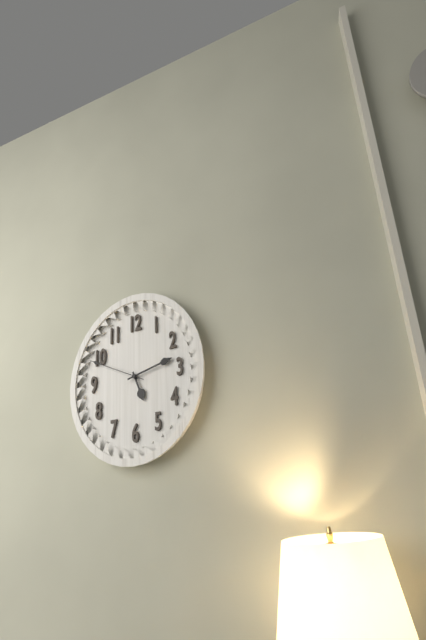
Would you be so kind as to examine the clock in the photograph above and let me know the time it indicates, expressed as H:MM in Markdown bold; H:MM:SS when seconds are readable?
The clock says **5:13:49**
